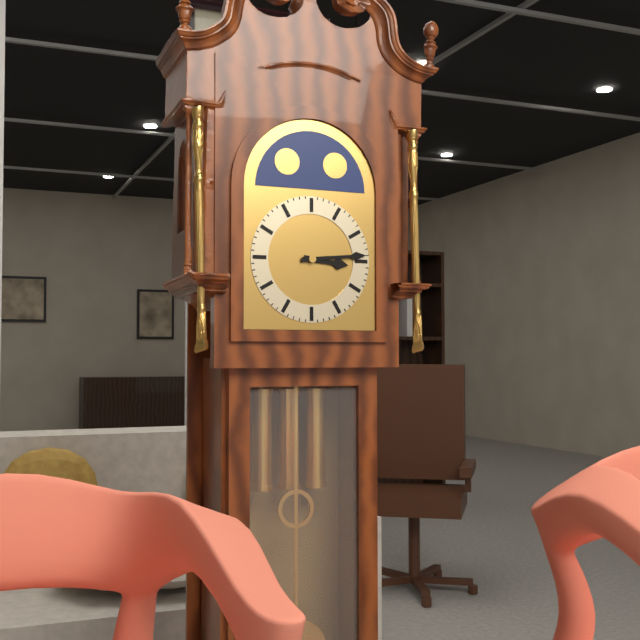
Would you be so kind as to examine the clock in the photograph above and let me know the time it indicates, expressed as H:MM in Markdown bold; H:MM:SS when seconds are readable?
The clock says **3:14**
